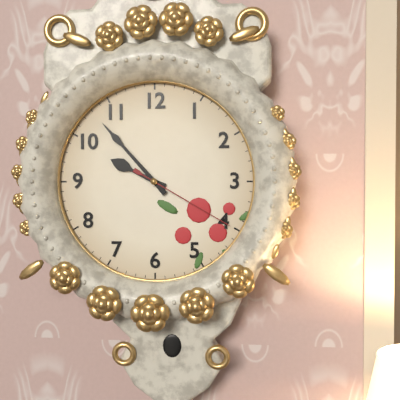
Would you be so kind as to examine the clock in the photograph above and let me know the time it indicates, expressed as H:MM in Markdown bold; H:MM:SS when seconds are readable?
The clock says **9:53:20**
